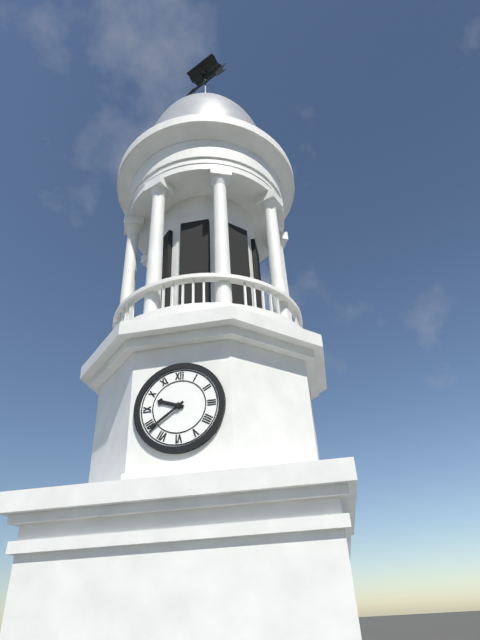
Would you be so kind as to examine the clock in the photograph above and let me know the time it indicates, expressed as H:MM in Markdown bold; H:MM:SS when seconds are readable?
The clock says **9:39**
